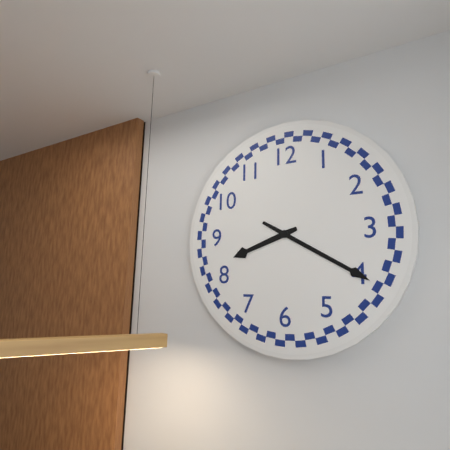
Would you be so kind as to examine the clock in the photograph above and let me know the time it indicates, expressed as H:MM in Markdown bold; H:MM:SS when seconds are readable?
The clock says **8:20**
